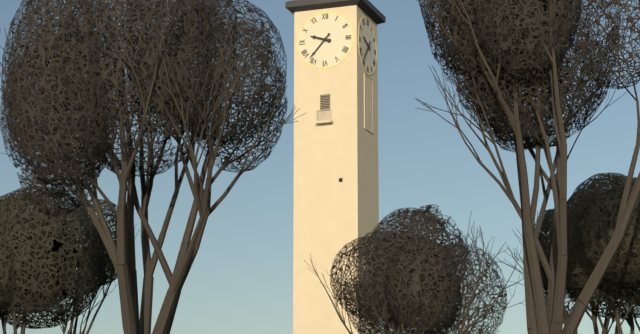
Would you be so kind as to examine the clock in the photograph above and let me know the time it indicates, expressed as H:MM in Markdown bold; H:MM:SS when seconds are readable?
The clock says **9:37**
